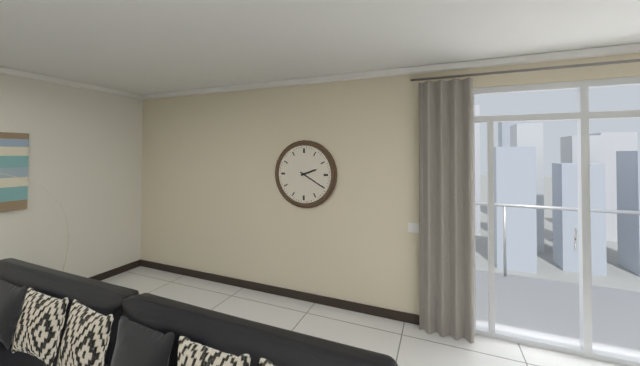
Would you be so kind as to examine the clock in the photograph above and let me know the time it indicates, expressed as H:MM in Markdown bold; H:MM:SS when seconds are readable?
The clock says **2:20**
